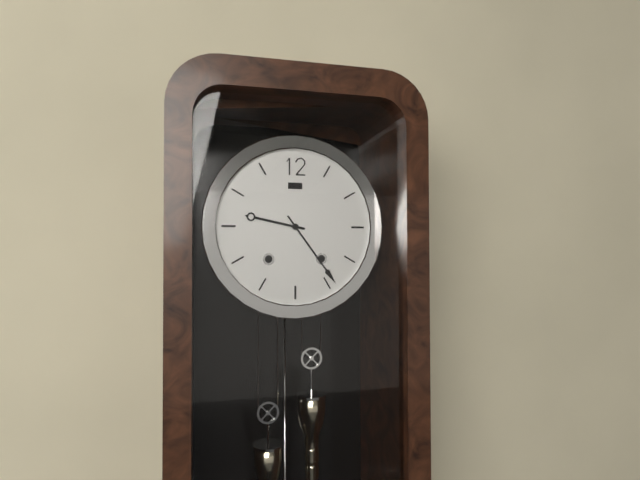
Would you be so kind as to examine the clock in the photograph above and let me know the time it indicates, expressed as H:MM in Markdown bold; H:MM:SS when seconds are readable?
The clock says **9:24**
